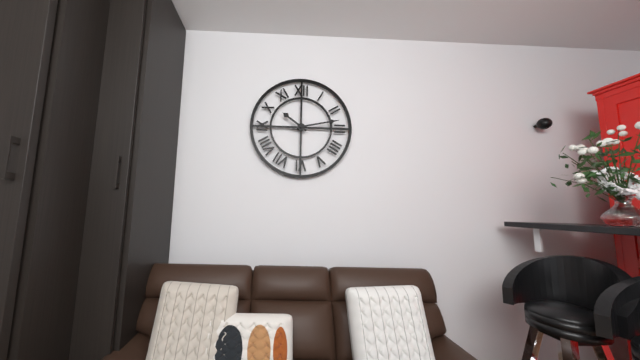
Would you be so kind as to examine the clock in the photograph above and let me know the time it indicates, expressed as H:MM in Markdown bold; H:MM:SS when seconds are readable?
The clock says **10:13**
